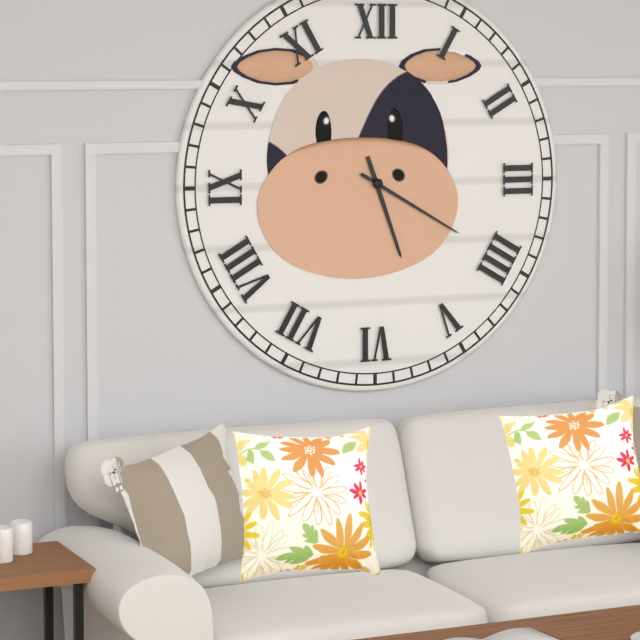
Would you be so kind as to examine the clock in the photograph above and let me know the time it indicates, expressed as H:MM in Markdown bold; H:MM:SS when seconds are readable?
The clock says **5:20**
